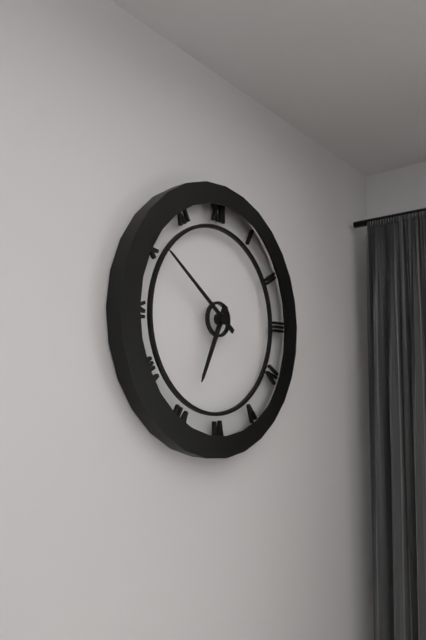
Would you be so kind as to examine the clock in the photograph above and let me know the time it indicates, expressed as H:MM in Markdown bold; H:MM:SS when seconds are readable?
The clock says **6:51**
